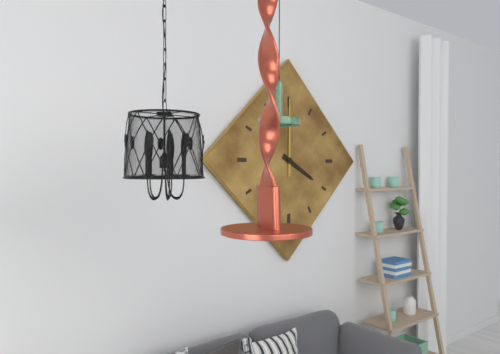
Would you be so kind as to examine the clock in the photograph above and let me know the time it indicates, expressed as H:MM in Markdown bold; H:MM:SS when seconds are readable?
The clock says **4:00**
